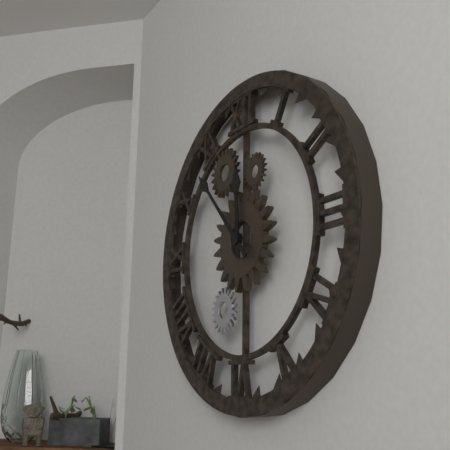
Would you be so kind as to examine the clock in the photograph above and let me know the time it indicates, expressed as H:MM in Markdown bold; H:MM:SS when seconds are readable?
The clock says **11:53**
